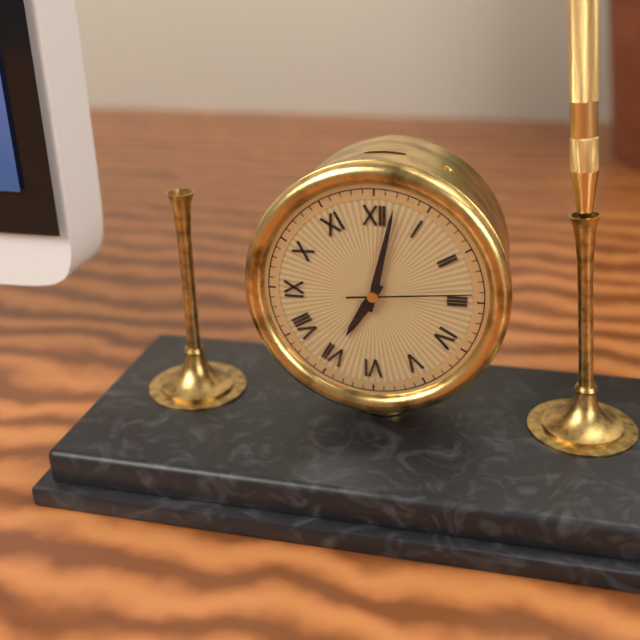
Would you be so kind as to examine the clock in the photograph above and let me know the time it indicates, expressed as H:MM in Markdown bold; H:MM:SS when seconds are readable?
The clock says **7:02:14**
